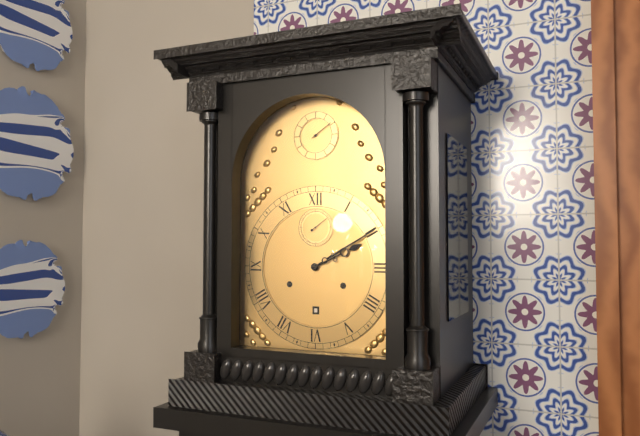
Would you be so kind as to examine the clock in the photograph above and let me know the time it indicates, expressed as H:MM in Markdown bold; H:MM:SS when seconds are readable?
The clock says **2:10**
